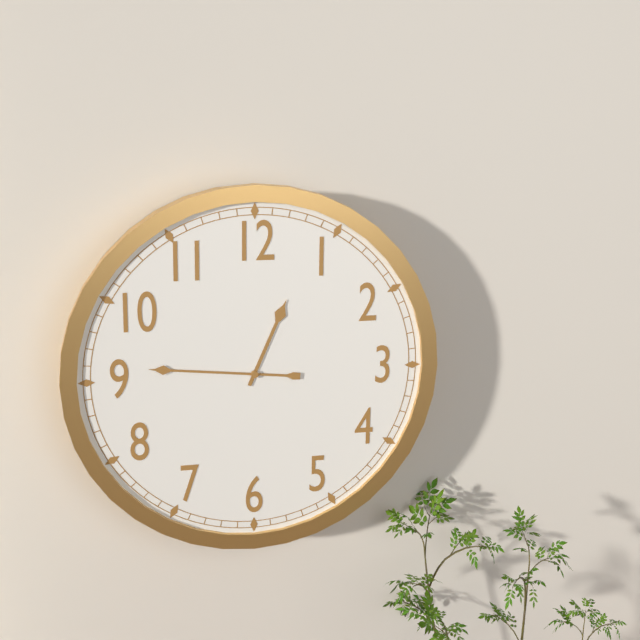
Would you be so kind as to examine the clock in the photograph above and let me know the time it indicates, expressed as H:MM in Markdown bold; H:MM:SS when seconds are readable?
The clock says **12:46**
